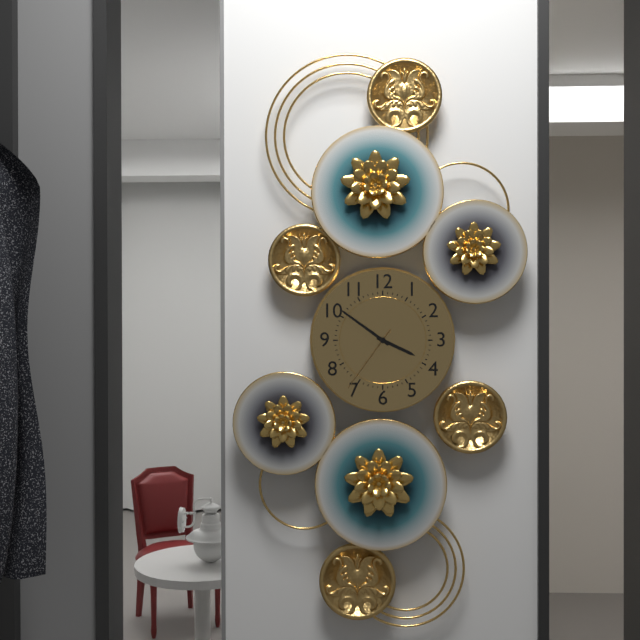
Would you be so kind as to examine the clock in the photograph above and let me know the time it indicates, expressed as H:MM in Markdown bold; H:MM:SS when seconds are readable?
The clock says **3:51:36**
